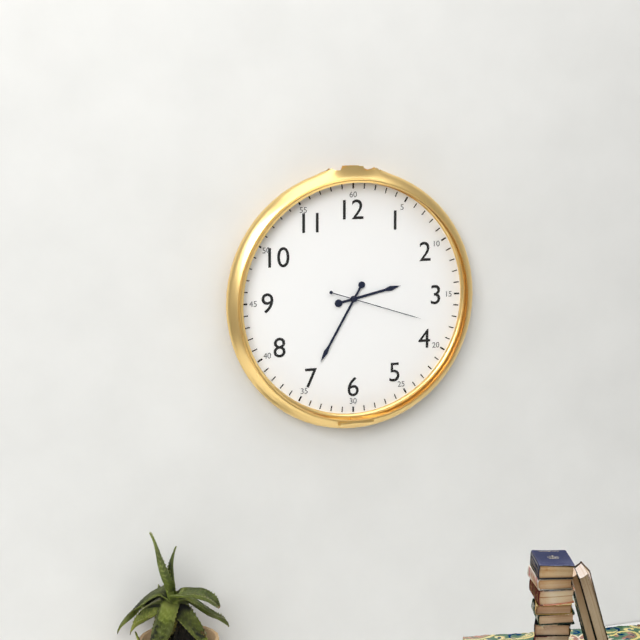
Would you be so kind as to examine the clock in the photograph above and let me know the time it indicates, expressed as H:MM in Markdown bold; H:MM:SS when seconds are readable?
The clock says **2:35:18**
